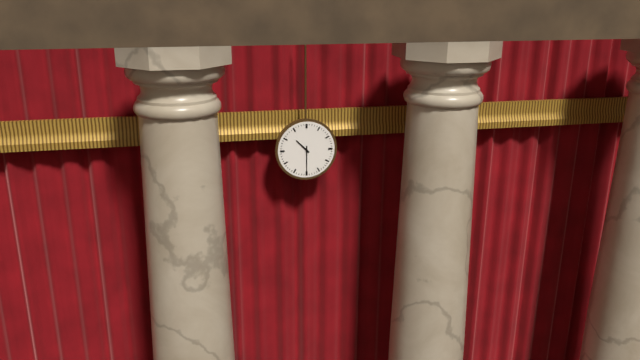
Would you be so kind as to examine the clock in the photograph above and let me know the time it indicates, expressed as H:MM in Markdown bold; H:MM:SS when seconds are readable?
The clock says **10:30**
